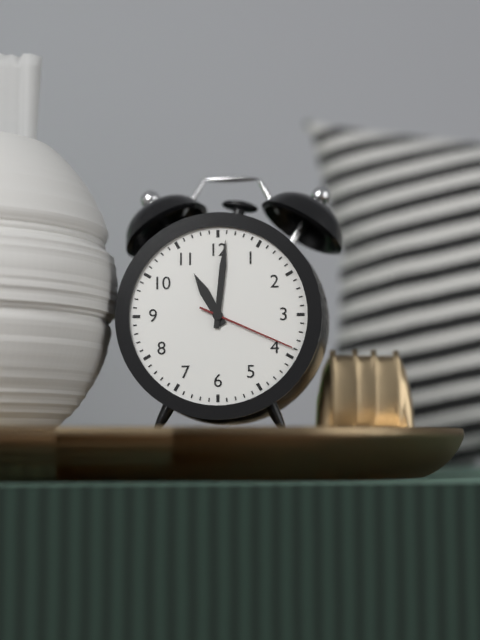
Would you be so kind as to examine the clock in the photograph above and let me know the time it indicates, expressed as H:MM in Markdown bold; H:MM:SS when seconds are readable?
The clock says **11:01:19**
